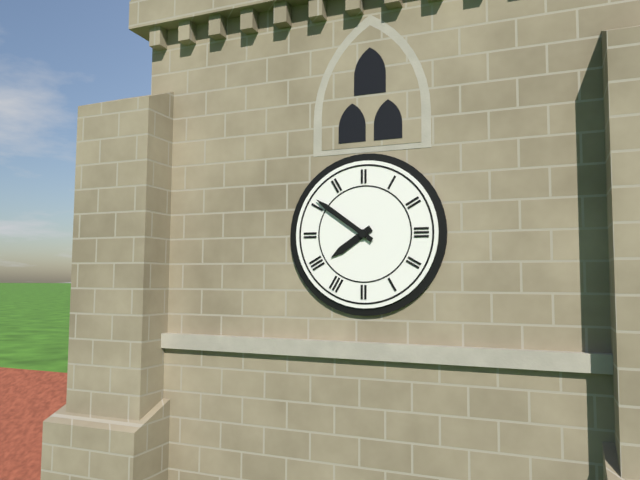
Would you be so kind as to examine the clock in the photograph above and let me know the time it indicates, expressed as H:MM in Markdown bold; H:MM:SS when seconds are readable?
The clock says **7:51**
